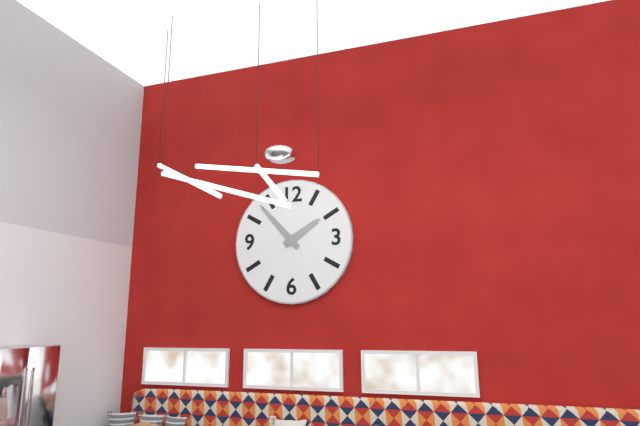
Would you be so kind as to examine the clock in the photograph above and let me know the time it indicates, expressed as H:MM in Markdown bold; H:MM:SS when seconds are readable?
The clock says **1:53**
